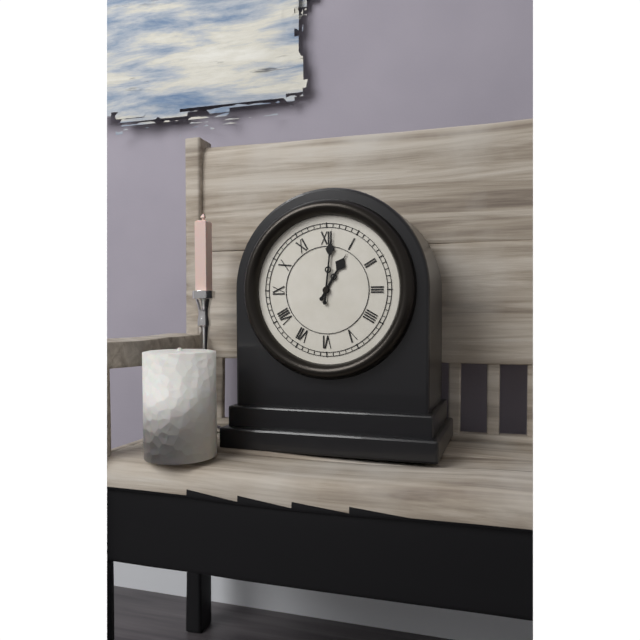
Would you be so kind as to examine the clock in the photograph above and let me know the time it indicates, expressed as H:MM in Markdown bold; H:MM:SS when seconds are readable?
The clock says **1:01**
